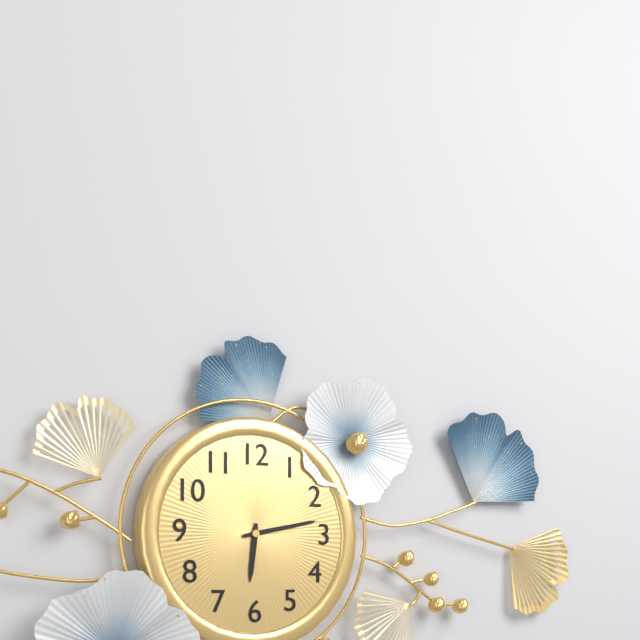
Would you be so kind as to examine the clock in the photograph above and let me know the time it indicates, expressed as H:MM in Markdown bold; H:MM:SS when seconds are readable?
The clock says **6:13**
